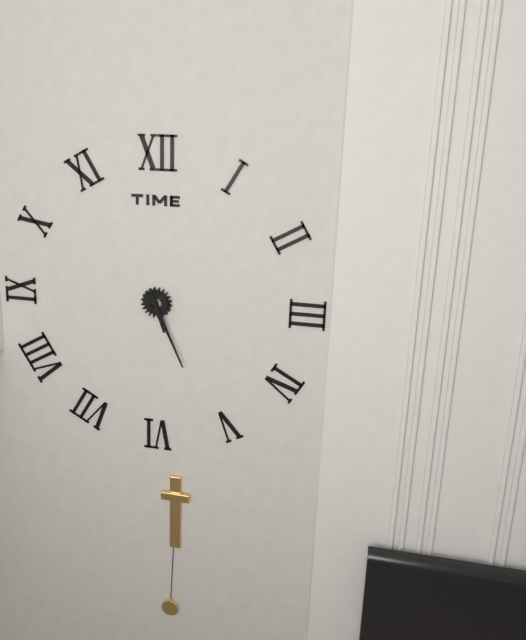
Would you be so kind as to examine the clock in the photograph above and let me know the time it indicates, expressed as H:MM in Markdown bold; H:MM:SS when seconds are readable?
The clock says **5:26**
